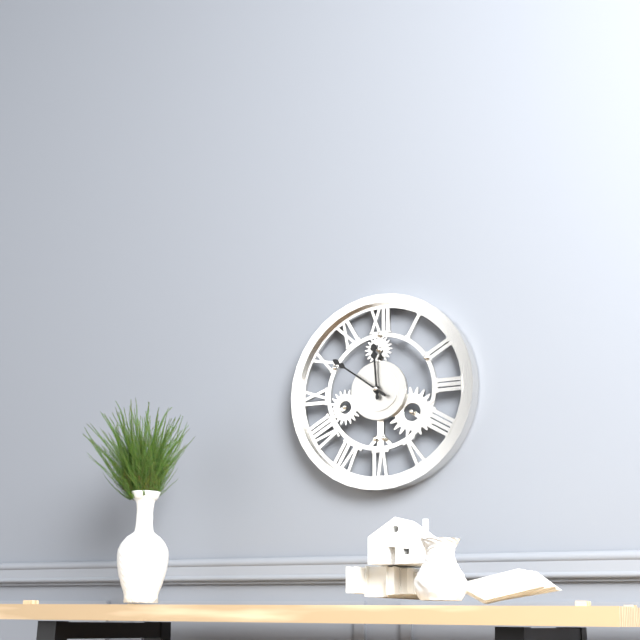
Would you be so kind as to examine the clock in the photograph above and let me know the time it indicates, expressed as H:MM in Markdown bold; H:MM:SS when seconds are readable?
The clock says **11:51**
